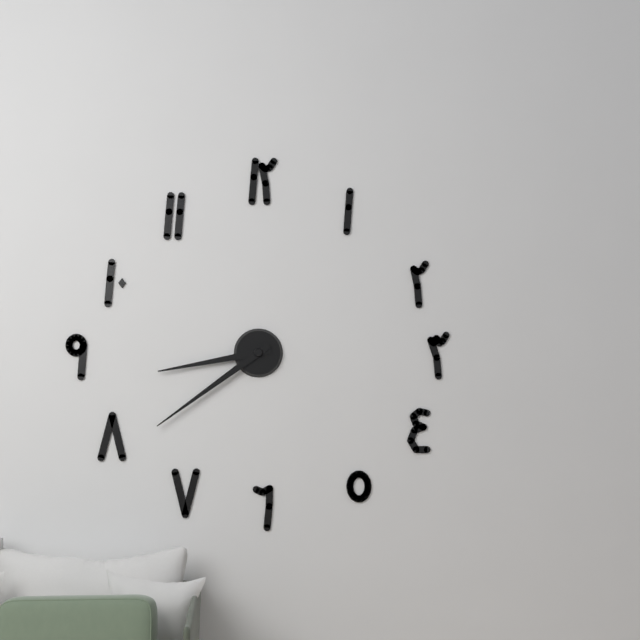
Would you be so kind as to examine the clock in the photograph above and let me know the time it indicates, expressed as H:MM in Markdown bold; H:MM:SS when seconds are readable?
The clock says **8:39**
